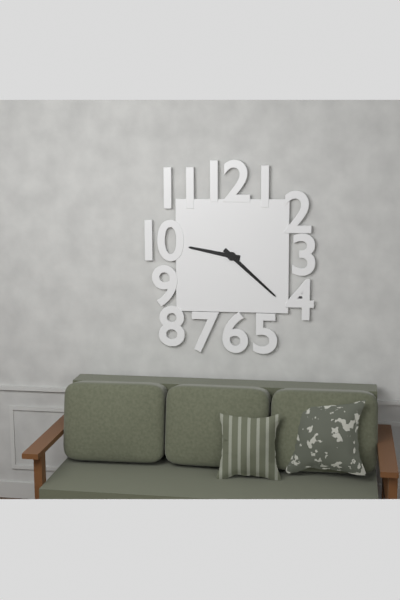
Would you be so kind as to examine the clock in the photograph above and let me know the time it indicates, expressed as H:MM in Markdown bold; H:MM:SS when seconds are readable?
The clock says **9:22**
